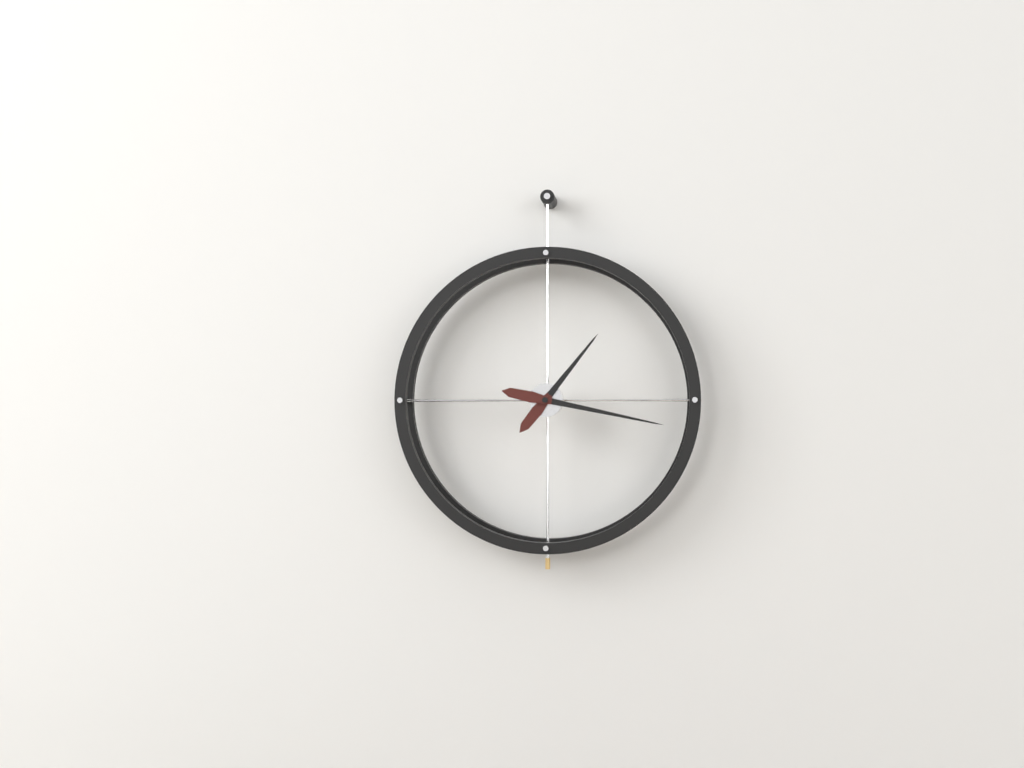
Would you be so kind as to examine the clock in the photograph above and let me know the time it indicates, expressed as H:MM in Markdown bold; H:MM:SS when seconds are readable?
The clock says **1:17**
